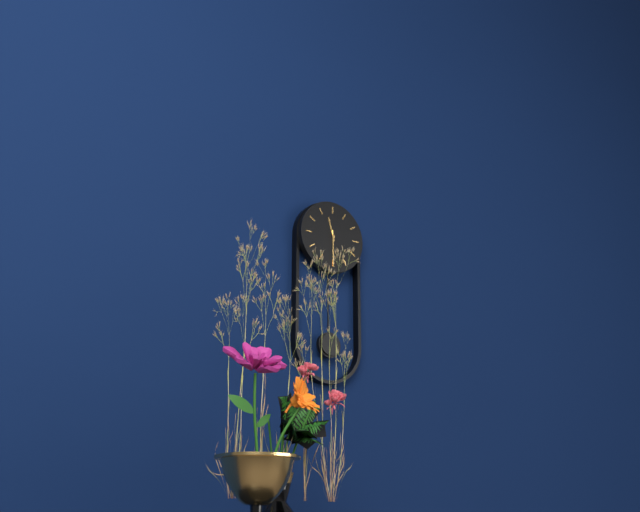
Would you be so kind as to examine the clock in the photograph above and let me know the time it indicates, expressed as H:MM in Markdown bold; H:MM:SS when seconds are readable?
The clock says **11:30**
